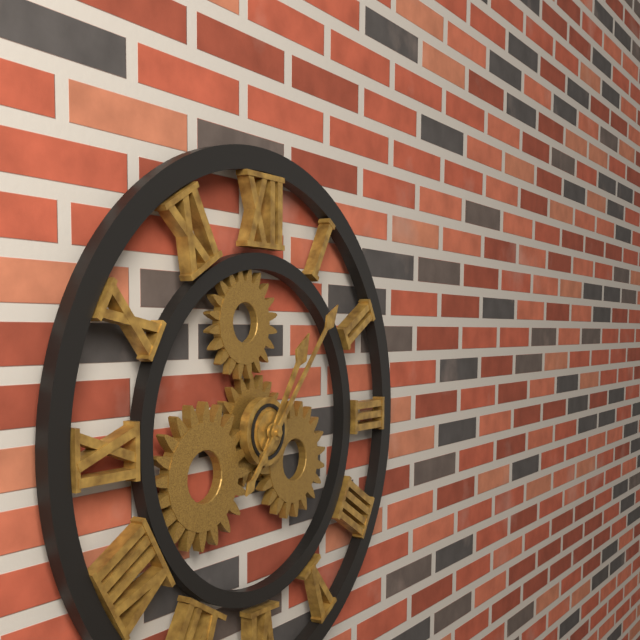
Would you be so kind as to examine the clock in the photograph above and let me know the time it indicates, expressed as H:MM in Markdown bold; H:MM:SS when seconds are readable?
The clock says **1:07**
